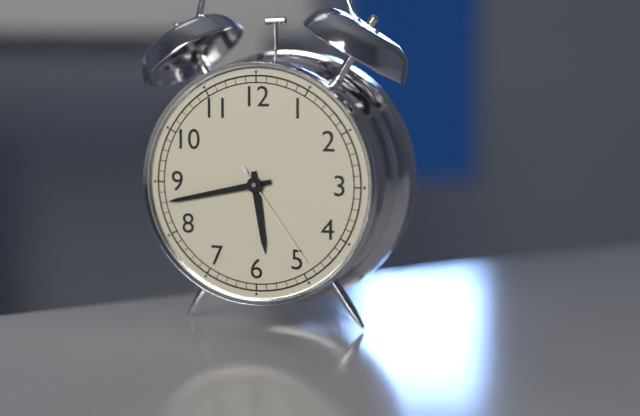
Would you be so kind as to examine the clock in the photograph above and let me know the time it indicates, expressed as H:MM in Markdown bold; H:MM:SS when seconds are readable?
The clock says **5:43:24**
